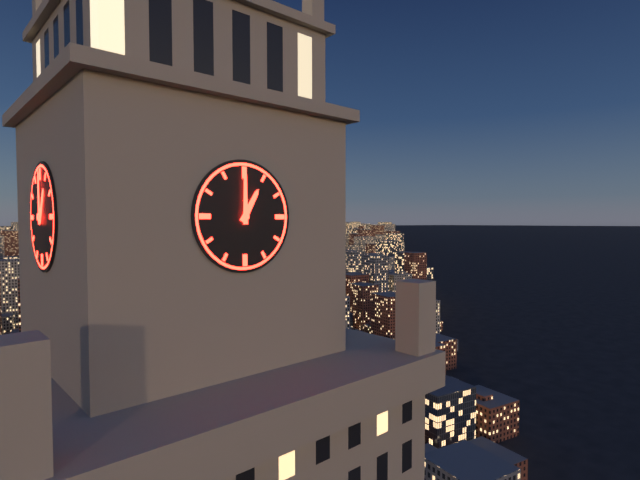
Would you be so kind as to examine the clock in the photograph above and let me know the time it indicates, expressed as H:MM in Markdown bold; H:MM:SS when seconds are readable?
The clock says **1:00**
